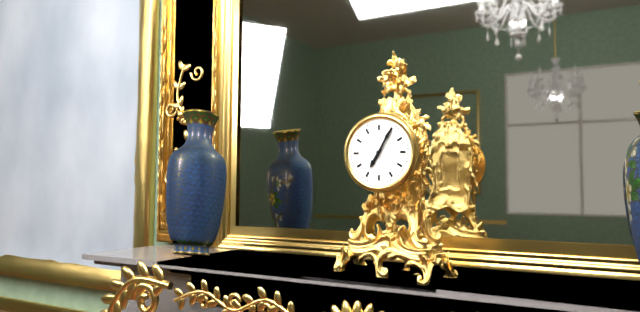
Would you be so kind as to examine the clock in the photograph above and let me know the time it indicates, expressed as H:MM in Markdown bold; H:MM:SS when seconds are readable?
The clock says **7:05**
